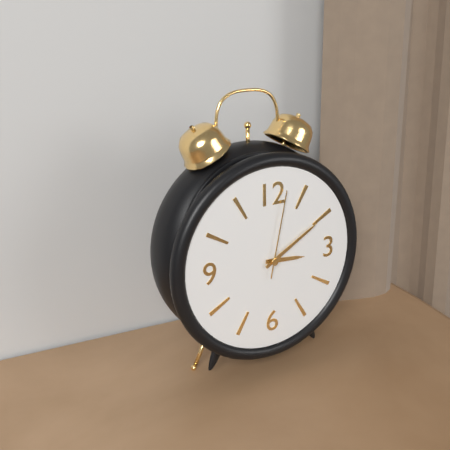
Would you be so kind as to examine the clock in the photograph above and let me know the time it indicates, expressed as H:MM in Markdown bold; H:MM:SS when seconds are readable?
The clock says **3:10:02**
